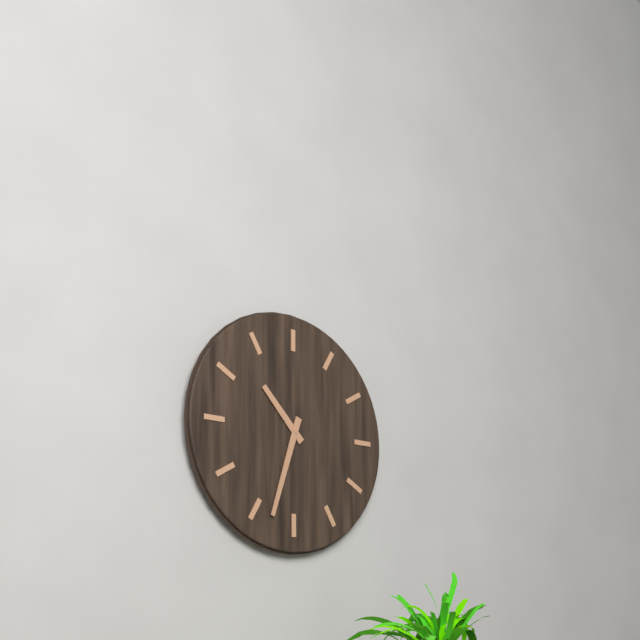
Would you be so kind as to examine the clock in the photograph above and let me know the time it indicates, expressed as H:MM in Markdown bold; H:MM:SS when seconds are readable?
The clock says **10:33**
